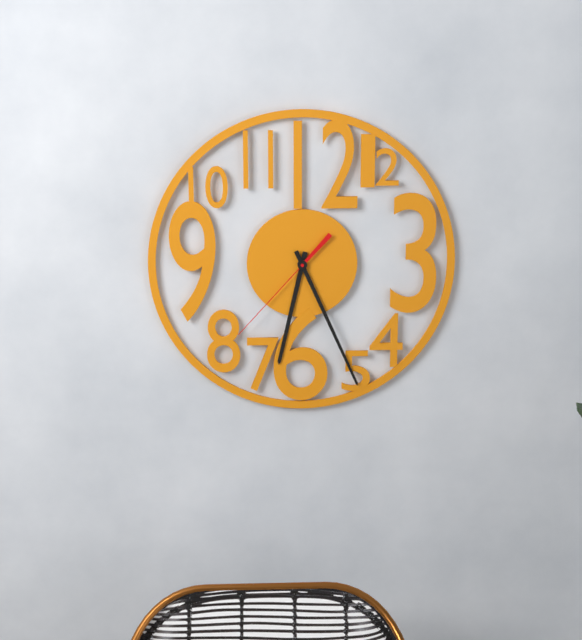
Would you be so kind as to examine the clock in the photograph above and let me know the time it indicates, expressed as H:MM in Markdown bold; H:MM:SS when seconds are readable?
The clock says **6:26:37**
